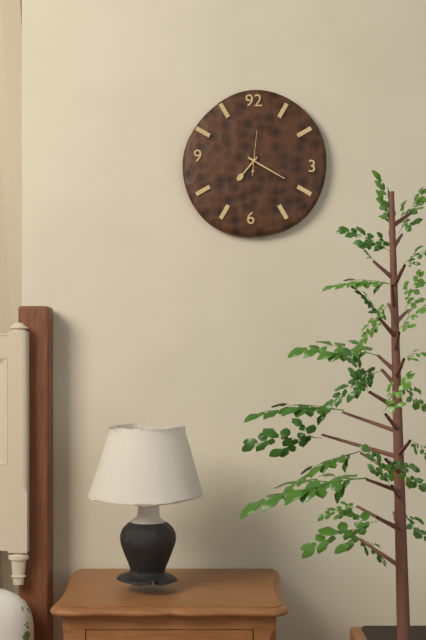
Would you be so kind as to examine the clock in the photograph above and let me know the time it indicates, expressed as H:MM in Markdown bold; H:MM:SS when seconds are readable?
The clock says **7:20**
